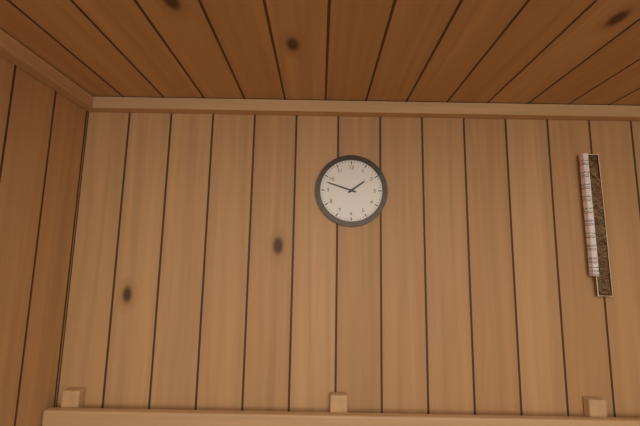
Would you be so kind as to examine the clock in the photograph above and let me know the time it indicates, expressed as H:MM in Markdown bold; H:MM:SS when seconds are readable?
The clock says **1:48**
